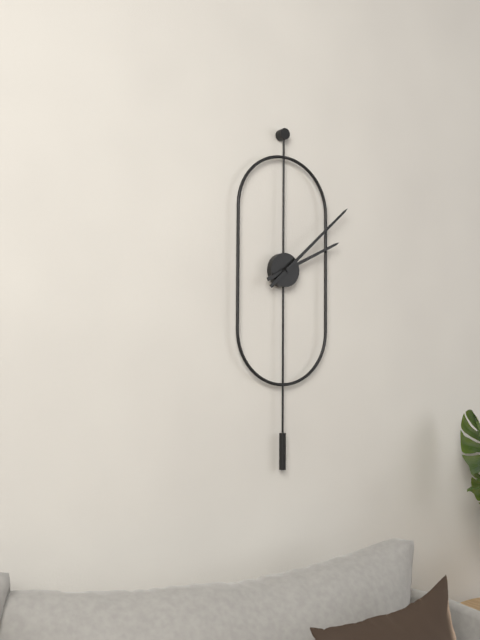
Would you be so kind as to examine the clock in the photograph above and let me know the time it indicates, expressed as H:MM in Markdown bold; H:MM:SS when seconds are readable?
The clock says **2:08**
